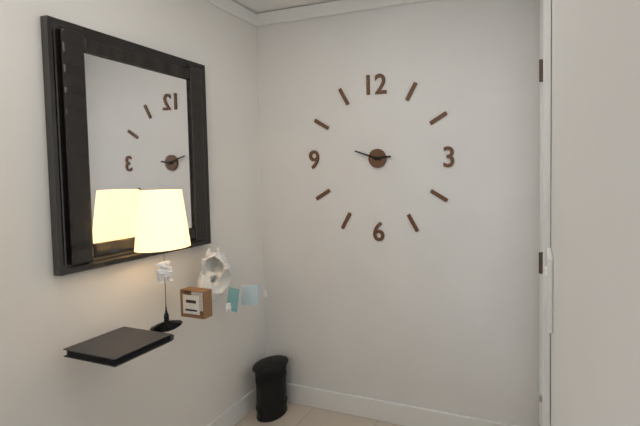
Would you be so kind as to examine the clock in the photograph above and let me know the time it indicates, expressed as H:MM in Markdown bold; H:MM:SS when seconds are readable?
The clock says **2:48**
